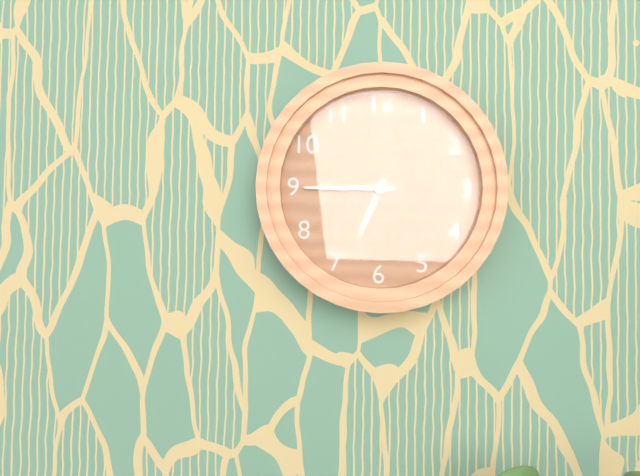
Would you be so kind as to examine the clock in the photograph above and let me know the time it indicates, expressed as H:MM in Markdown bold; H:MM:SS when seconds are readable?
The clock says **6:45**
